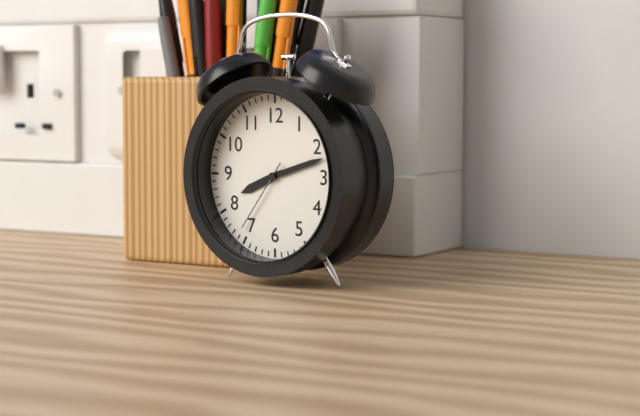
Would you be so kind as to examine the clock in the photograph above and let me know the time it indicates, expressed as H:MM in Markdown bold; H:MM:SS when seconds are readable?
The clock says **8:12:36**
